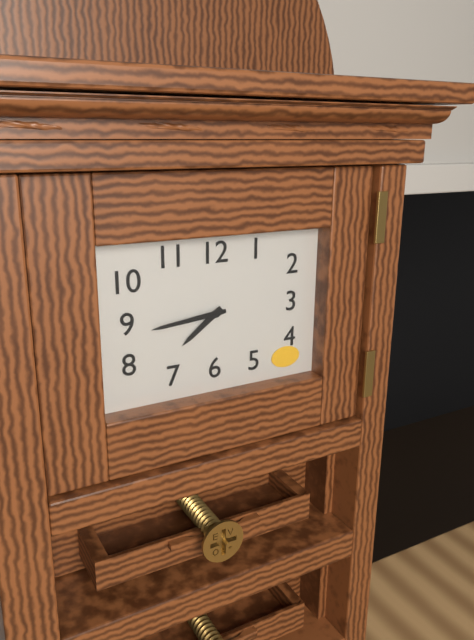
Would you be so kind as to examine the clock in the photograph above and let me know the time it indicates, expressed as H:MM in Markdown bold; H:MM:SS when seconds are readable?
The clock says **7:44**
